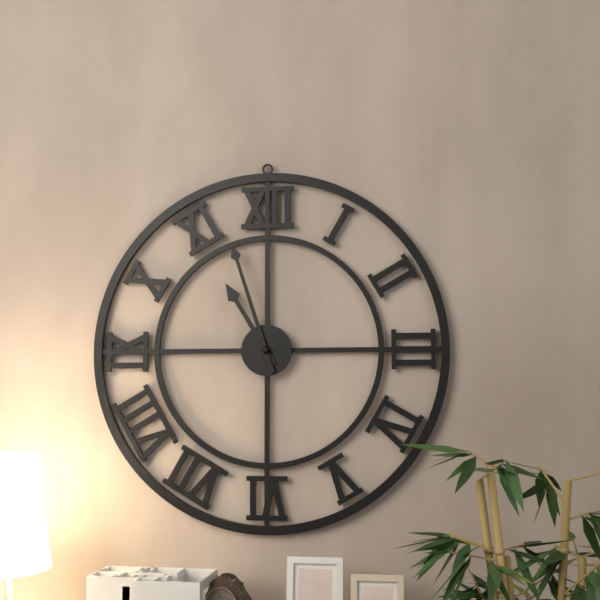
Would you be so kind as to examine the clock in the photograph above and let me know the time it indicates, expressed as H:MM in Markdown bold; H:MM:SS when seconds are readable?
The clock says **10:57**
